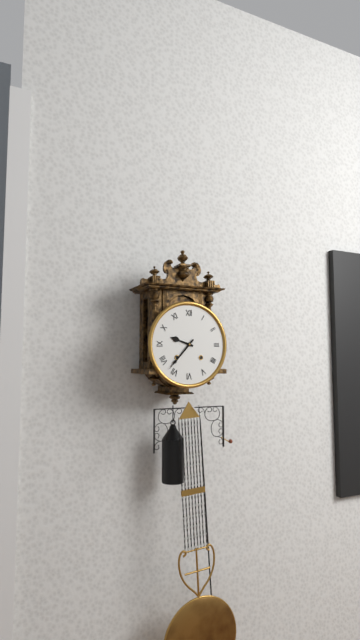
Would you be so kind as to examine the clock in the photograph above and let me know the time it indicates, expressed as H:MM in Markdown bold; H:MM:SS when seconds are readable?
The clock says **9:37**
